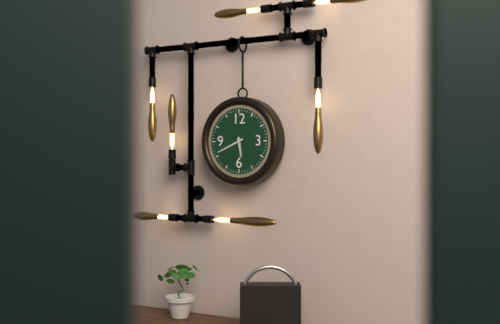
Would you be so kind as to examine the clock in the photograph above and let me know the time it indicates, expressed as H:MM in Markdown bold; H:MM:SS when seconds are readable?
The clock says **5:41**
